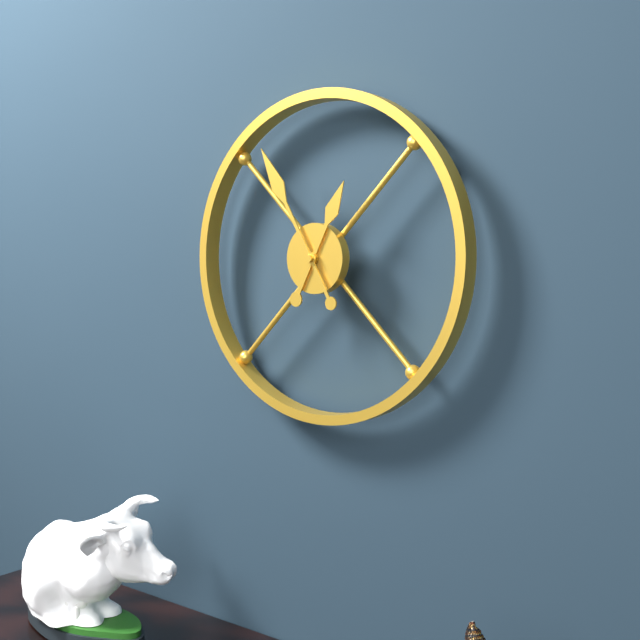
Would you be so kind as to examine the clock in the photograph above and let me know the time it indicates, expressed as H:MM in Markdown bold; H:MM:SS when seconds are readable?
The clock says **12:55**
